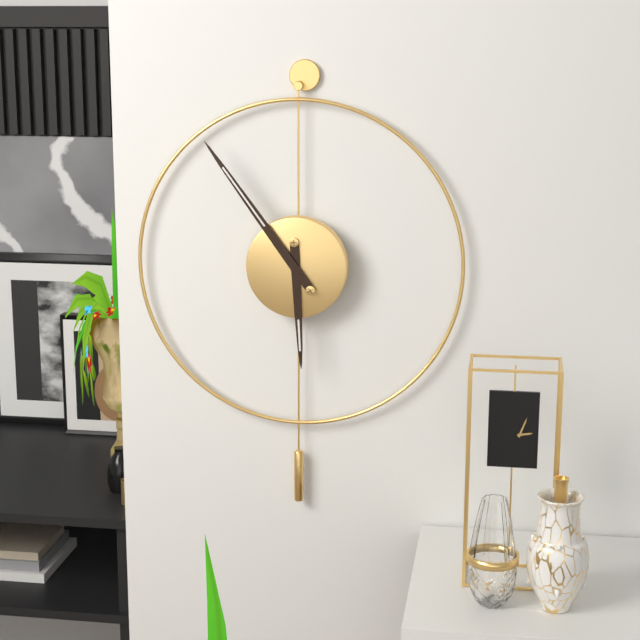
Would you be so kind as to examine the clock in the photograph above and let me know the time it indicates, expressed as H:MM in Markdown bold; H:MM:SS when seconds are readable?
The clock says **5:54**
